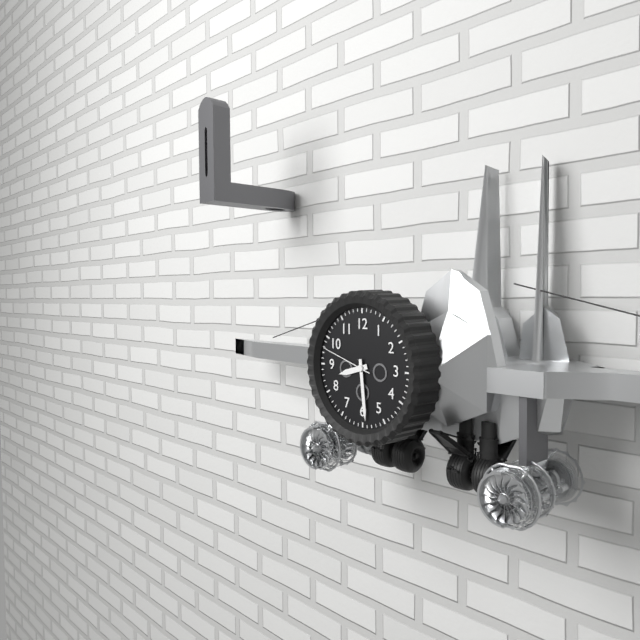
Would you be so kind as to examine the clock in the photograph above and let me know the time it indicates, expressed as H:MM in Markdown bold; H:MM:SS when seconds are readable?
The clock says **8:29:48**
